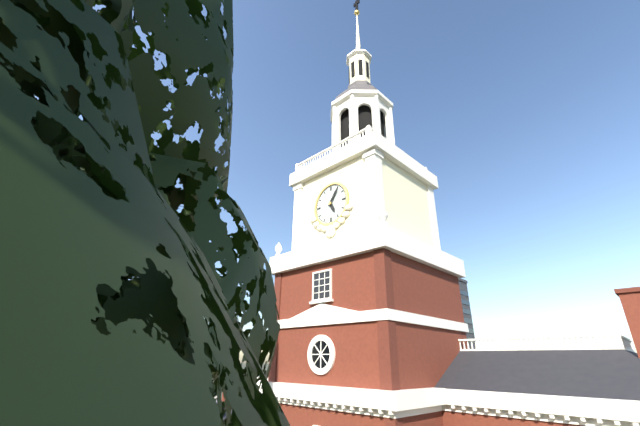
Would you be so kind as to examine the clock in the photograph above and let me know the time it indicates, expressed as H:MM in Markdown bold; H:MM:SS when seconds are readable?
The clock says **5:06**
